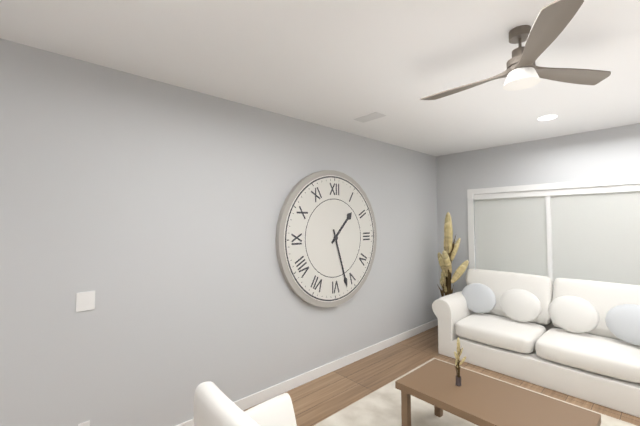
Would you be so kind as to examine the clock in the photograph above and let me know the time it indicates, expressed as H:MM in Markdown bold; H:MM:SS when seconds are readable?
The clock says **1:27**
